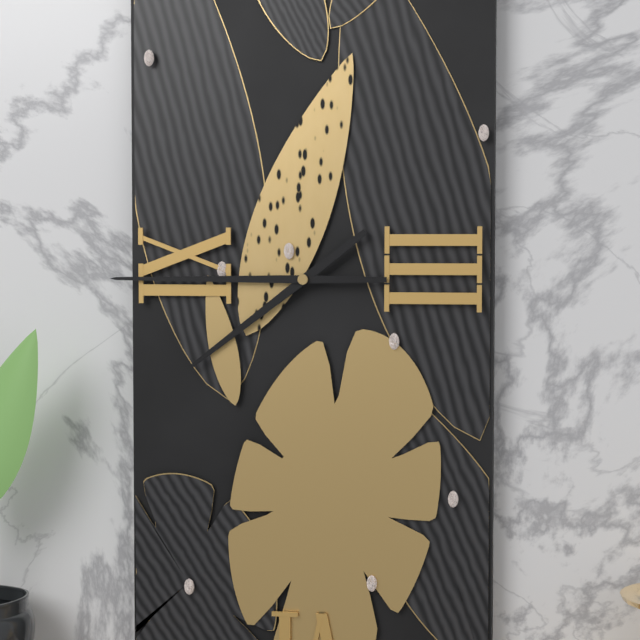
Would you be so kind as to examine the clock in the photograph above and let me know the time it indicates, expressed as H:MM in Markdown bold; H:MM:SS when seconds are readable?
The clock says **7:45**
